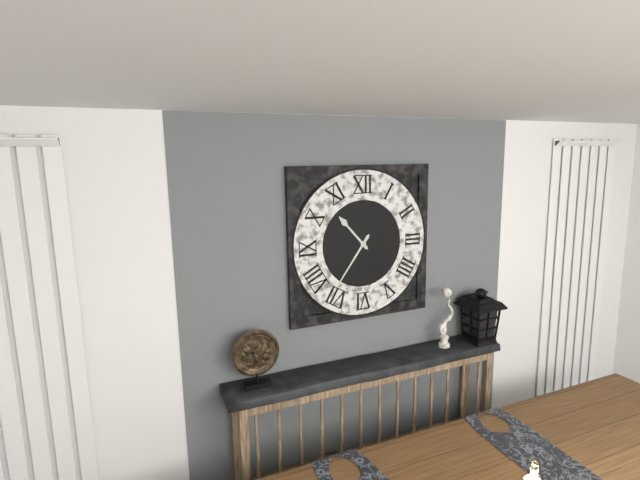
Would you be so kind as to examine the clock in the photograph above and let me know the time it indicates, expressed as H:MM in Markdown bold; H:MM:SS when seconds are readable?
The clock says **10:36**
